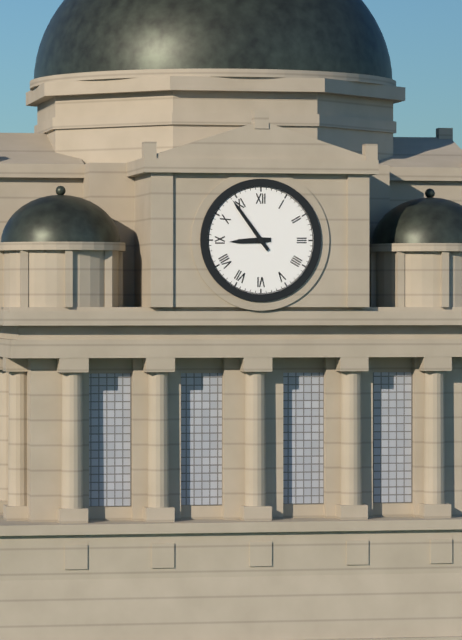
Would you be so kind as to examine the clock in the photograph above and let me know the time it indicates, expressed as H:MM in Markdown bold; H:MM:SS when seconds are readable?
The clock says **8:54**
